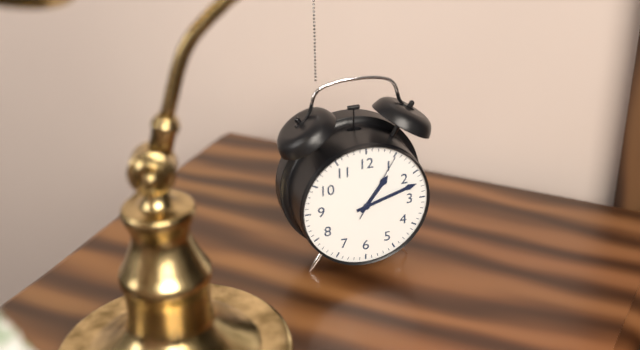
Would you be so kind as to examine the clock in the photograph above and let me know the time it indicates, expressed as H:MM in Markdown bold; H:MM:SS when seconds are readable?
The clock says **1:12:05**
